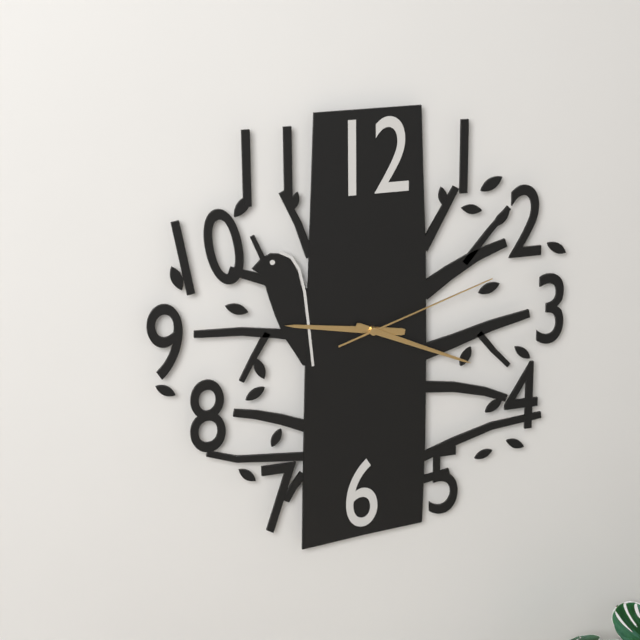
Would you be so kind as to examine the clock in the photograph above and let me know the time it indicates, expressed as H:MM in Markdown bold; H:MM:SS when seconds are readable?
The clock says **9:19:12**
